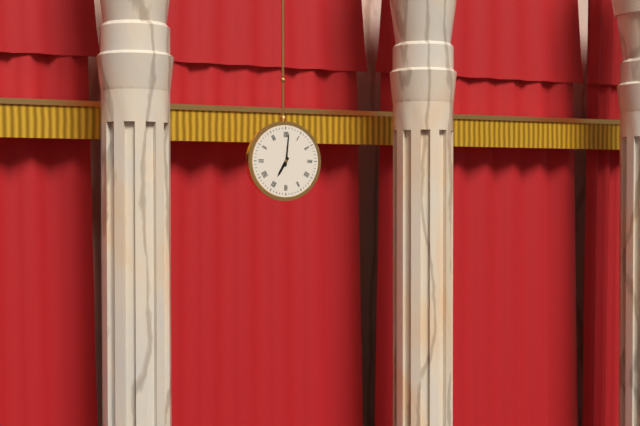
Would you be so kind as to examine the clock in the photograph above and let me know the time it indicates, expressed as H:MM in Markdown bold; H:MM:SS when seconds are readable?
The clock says **7:01**
